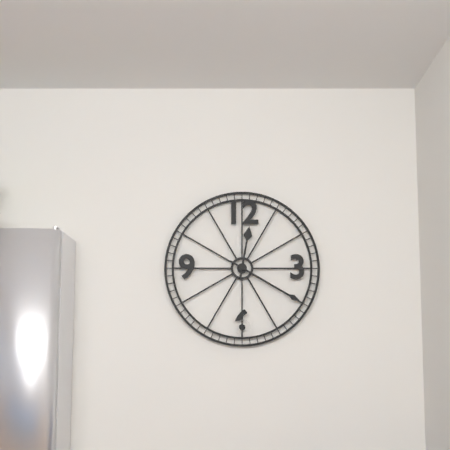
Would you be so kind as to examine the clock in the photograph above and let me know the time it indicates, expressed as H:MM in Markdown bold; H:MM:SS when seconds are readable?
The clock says **12:20**
